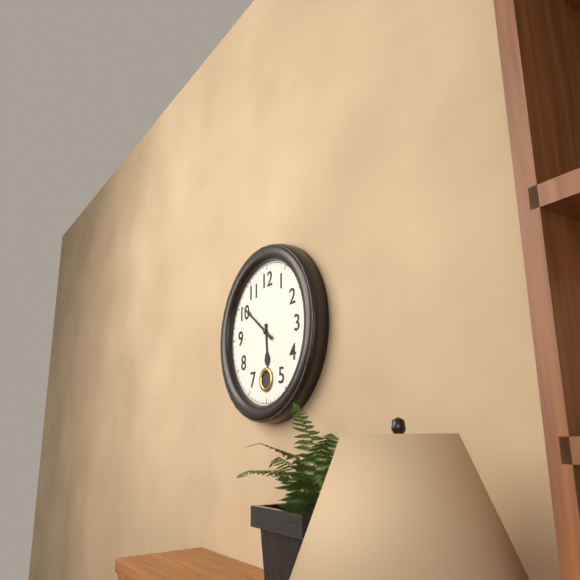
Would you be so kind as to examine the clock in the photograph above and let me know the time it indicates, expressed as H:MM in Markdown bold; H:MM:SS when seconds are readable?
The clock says **5:51**
